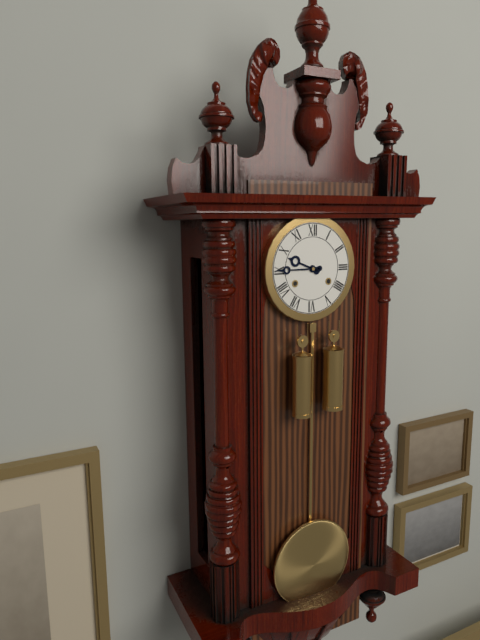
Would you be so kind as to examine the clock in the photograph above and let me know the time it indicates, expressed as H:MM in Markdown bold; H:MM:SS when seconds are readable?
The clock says **9:45**
